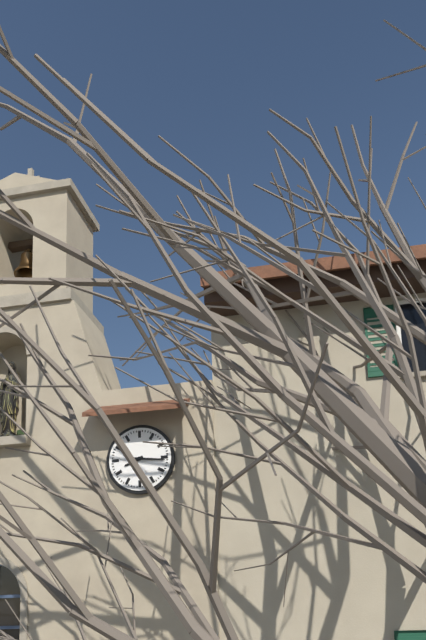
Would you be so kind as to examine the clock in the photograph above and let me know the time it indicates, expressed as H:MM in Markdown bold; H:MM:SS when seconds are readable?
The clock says **8:16**
